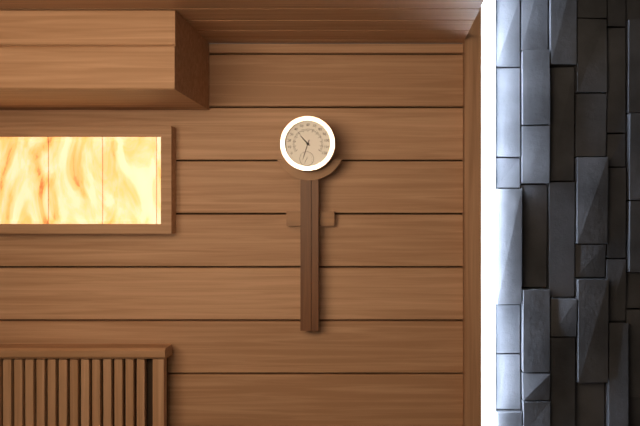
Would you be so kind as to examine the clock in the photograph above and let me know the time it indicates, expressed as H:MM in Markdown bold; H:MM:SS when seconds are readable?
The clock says **10:33**
